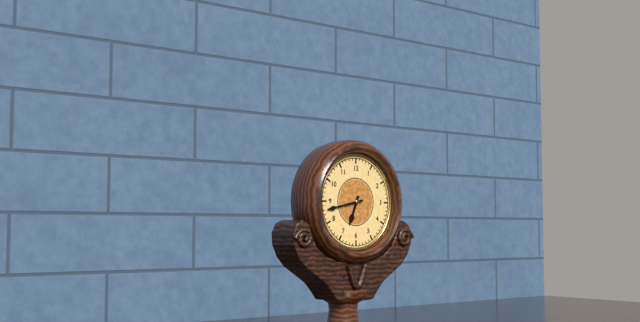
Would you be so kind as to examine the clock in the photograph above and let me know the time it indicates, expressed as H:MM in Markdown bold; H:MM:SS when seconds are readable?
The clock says **6:43**
